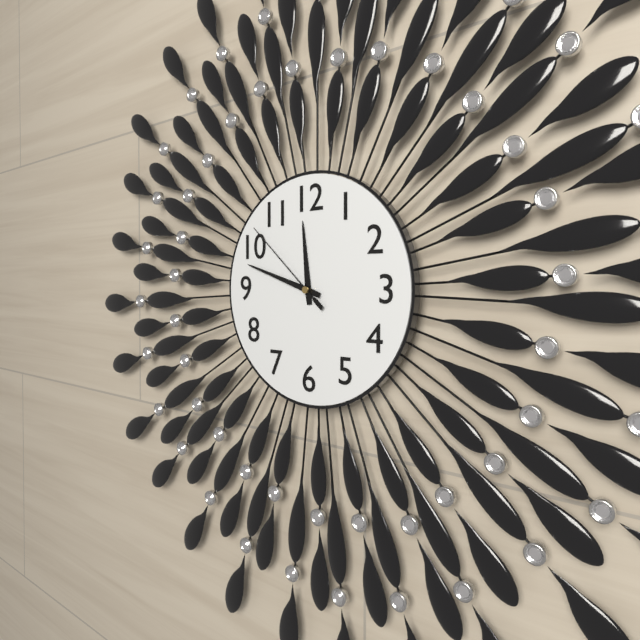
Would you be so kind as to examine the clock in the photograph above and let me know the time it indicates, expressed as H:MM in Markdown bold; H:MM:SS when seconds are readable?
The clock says **11:48:52**
